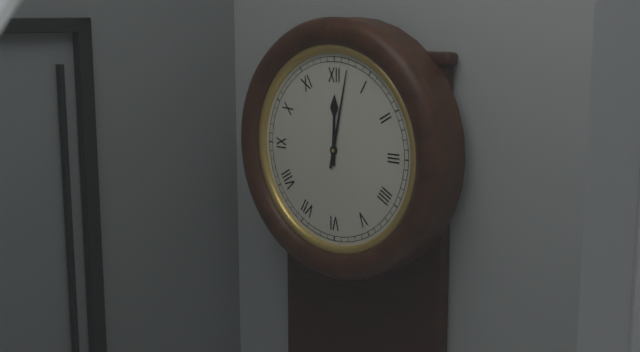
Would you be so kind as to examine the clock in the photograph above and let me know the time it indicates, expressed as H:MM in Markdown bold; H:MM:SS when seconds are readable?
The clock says **12:02**
